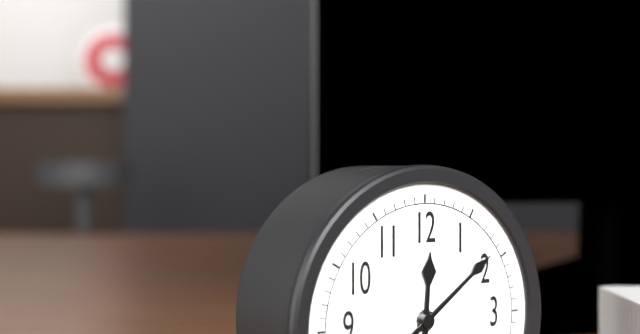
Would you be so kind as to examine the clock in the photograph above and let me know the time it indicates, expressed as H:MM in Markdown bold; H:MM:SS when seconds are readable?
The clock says **12:09**
